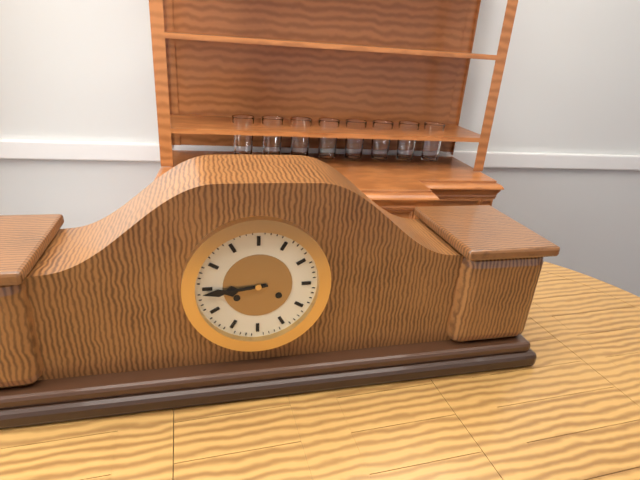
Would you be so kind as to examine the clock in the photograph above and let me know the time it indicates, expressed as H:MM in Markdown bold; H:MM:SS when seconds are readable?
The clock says **8:44**
